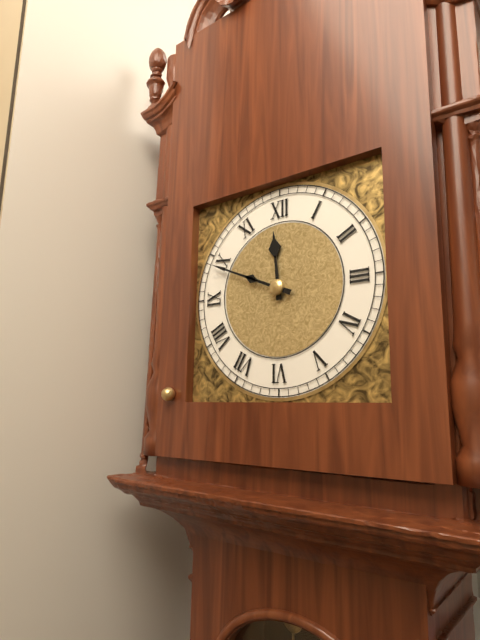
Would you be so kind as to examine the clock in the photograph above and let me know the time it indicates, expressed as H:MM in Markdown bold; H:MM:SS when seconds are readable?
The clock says **11:49**
